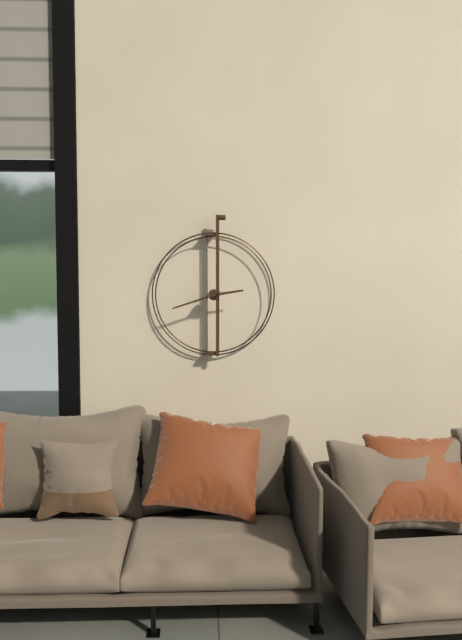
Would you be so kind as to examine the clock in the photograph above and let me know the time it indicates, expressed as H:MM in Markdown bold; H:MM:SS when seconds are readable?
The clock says **2:42**
